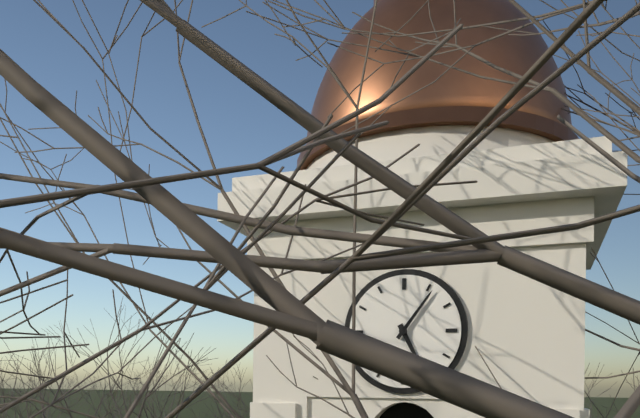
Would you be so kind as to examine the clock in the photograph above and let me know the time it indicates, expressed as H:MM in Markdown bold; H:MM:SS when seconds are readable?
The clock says **5:06**
